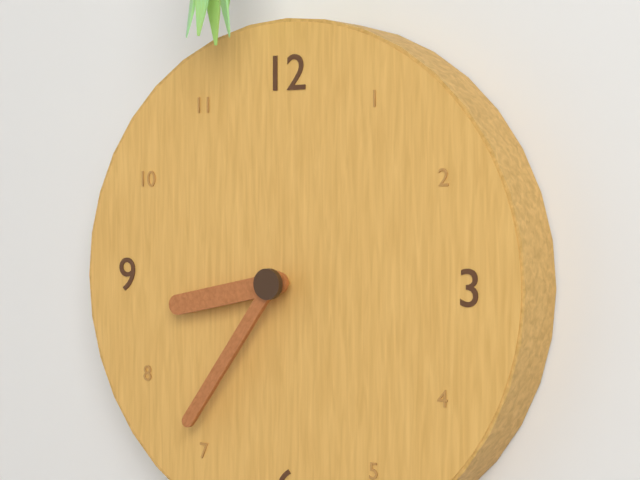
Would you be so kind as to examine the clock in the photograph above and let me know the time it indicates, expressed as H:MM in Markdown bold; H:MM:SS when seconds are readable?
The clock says **8:36**
